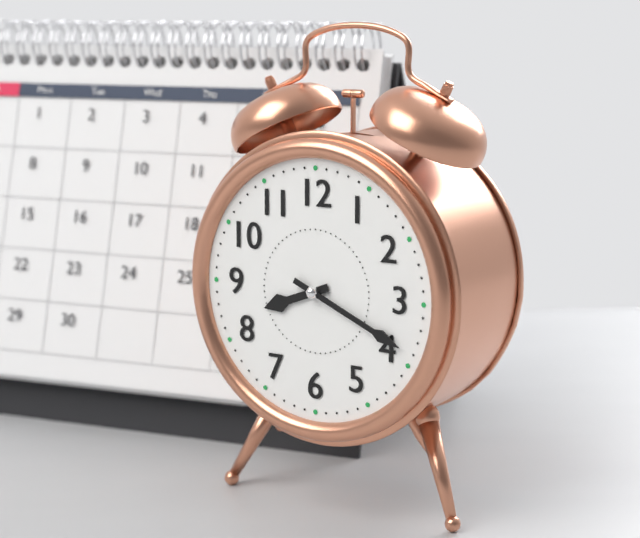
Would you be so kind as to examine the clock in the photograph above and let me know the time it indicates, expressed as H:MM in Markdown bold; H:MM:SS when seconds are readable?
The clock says **8:19**
